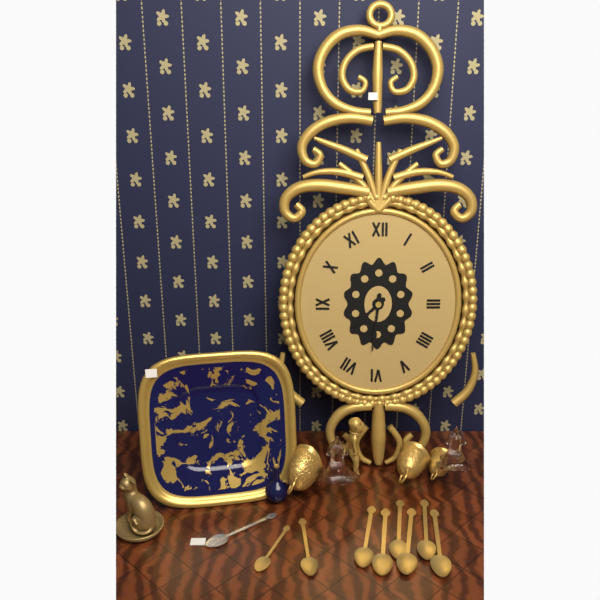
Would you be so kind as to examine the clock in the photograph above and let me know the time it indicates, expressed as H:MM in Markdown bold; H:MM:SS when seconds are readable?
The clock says **7:31**
